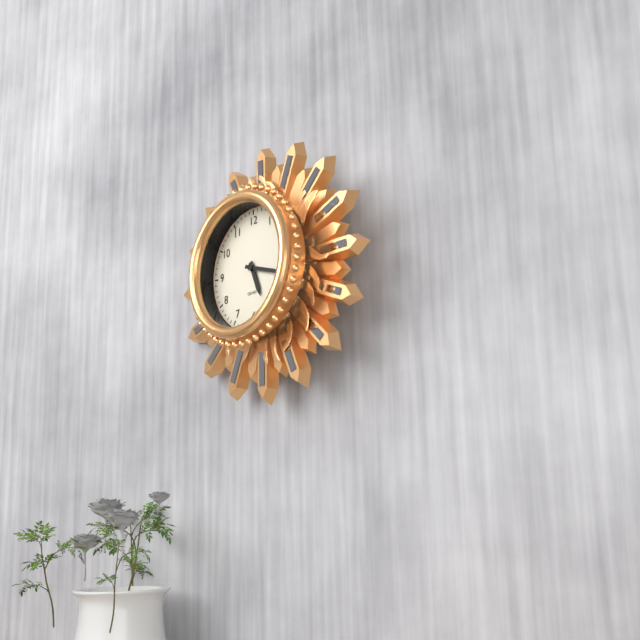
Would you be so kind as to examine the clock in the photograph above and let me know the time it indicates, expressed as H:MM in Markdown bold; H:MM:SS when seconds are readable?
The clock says **5:18**
